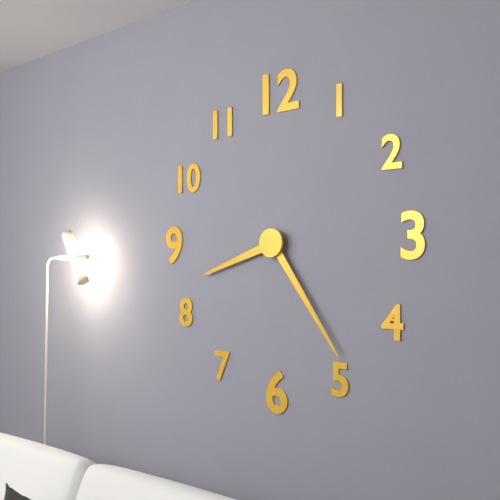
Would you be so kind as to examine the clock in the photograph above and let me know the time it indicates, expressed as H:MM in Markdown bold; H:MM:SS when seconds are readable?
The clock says **8:24**
